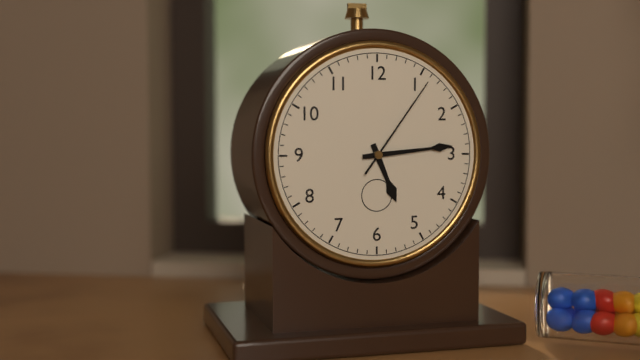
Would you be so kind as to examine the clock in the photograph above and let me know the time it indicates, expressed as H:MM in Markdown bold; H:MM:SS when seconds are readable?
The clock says **5:14:06**
